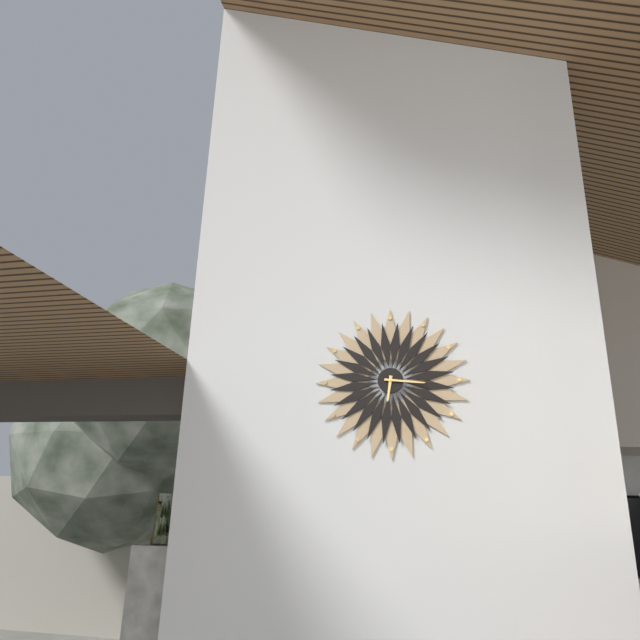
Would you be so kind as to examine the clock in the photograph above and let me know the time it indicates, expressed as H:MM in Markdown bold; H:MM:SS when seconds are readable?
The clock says **6:16**
